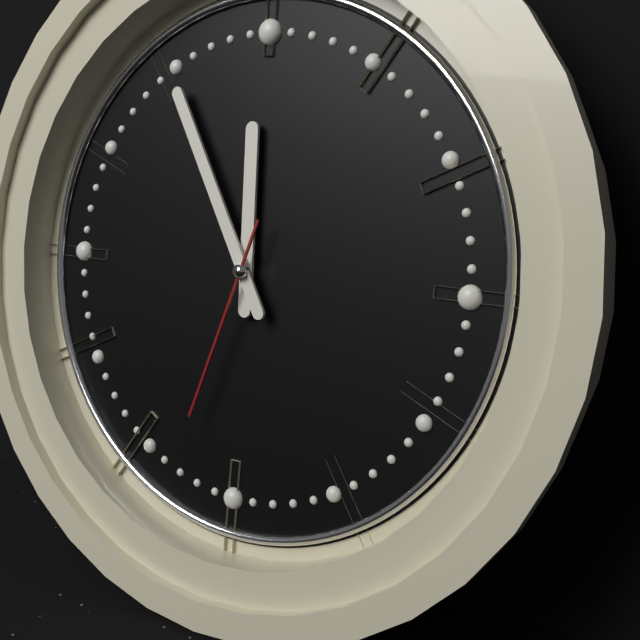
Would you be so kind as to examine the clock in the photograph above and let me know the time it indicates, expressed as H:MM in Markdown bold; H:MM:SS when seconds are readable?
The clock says **11:55:33**
